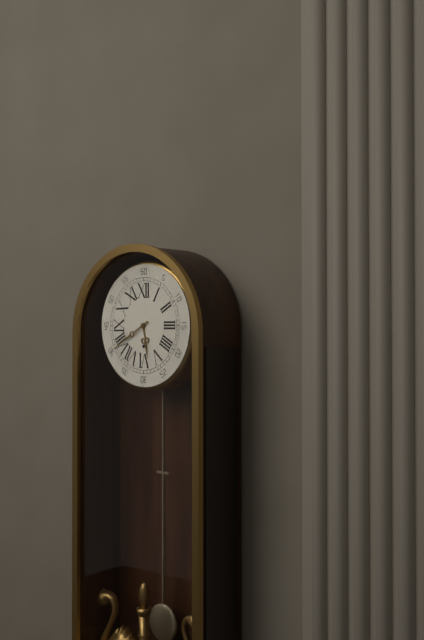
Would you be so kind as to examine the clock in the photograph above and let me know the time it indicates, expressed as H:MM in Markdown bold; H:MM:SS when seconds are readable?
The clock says **5:40**
